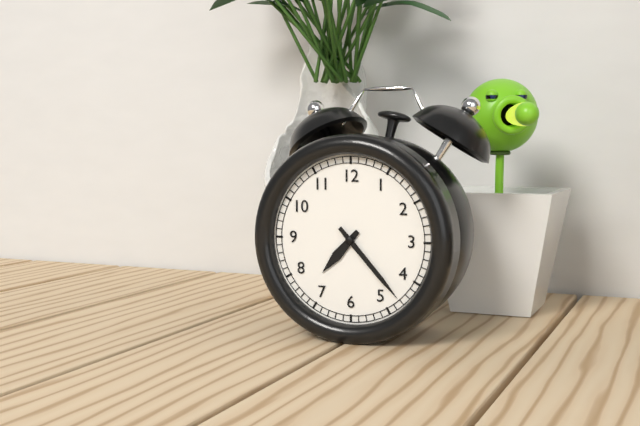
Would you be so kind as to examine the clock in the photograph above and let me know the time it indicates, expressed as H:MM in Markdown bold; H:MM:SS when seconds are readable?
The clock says **7:23**
